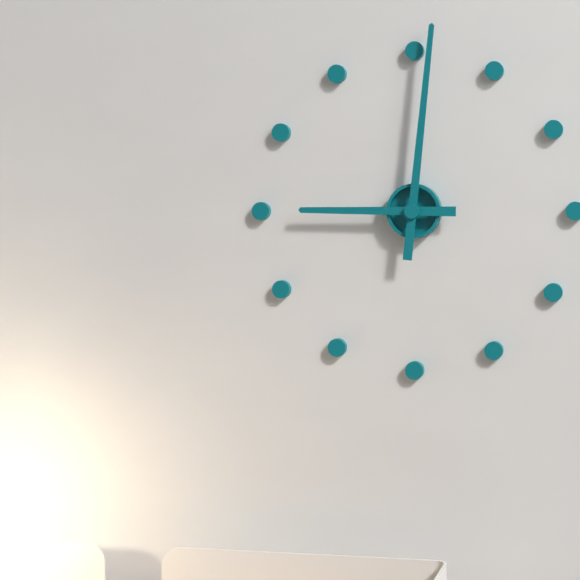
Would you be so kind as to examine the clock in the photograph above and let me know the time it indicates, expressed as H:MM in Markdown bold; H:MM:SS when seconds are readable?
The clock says **9:01**
